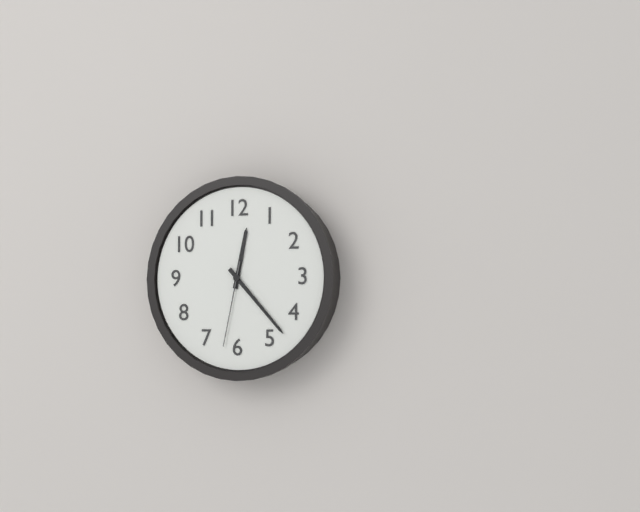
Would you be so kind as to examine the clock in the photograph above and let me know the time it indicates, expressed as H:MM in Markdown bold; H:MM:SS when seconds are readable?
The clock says **12:23:32**
